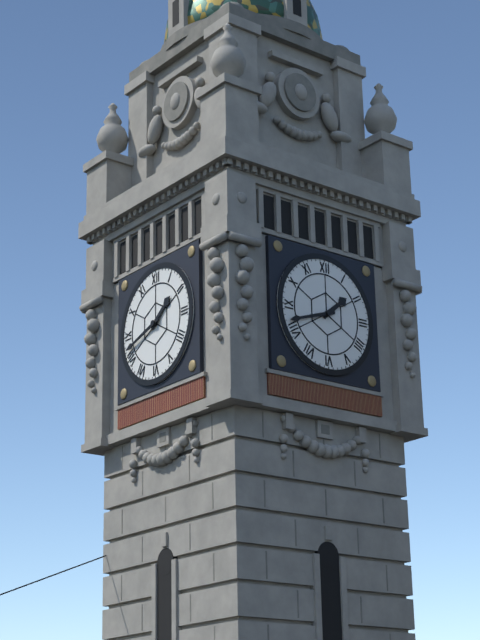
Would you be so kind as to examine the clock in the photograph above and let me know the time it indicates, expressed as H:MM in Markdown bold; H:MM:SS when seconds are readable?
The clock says **1:42**
